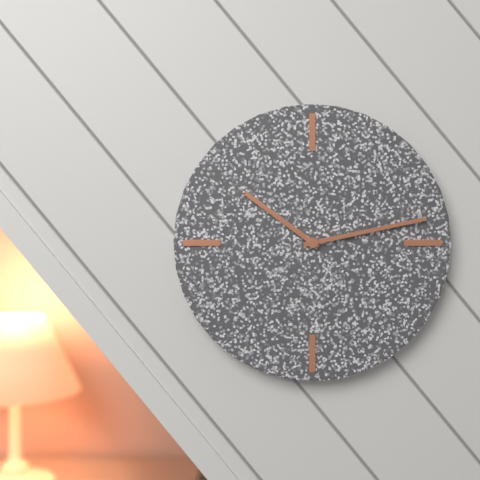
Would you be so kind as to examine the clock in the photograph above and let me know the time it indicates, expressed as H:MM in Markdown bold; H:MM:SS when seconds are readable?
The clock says **10:13**
